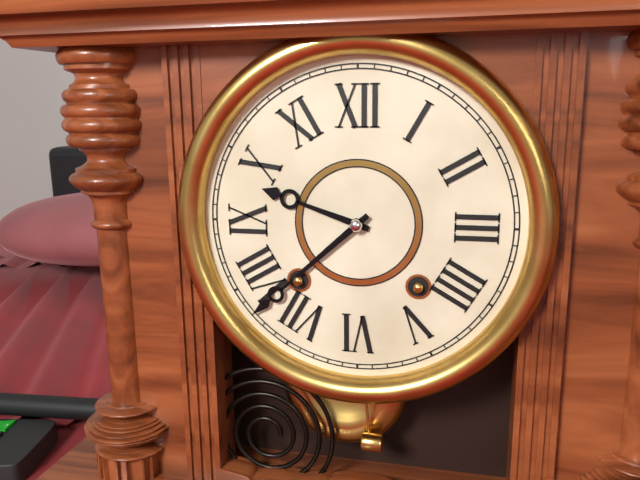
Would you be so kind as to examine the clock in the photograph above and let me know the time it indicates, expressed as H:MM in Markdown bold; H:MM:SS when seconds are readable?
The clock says **9:38**
